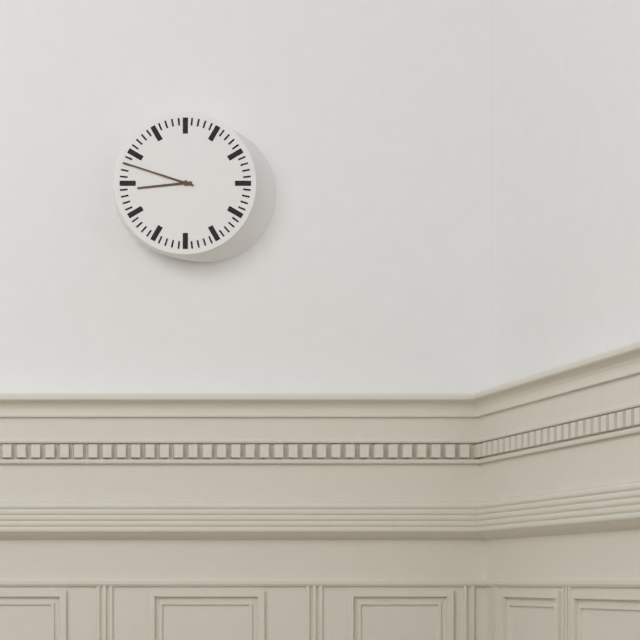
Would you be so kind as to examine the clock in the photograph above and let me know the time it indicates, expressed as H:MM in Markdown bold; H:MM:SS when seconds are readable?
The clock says **8:48**
